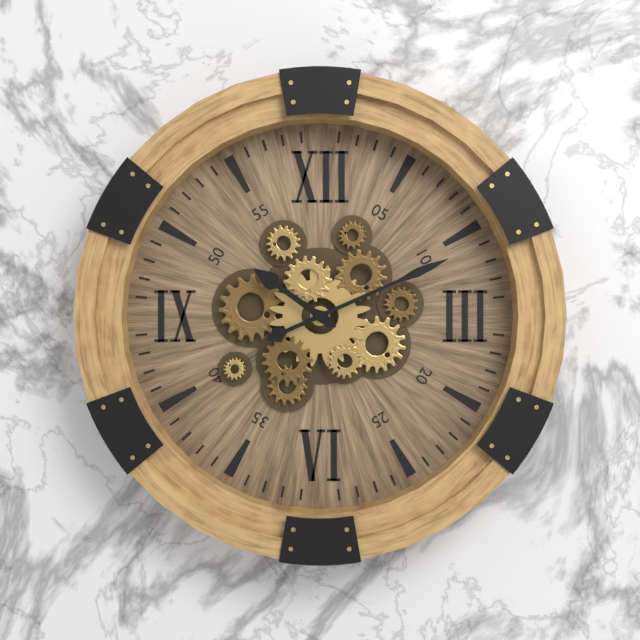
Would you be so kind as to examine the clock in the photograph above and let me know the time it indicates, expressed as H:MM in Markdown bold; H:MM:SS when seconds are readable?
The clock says **10:11**
